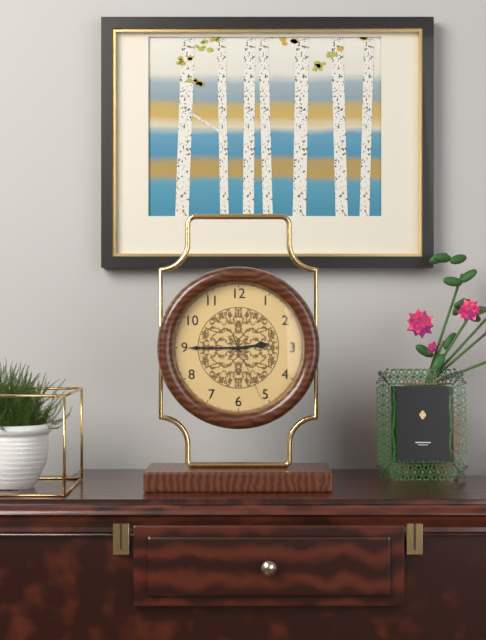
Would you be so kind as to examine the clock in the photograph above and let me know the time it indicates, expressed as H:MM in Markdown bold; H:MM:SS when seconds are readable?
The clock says **2:45:26**
